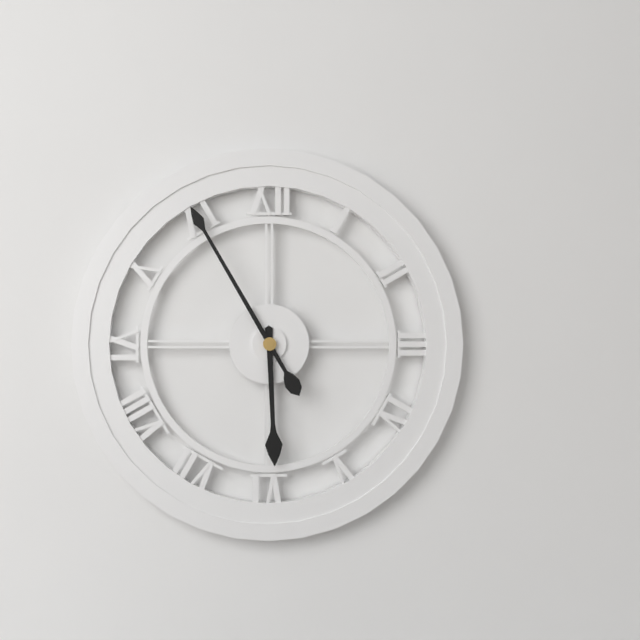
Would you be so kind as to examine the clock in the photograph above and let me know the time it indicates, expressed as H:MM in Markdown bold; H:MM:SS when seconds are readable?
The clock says **5:55**
